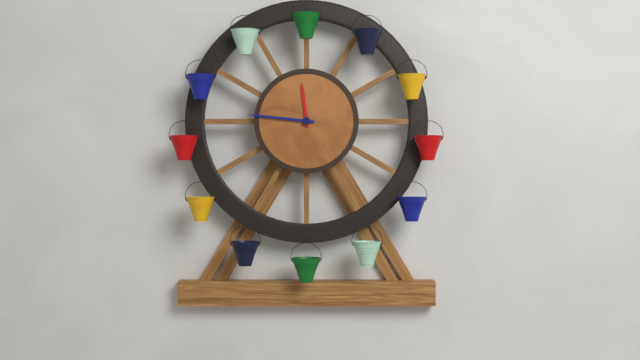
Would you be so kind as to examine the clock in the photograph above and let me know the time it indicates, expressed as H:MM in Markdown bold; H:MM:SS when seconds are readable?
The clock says **11:46**
